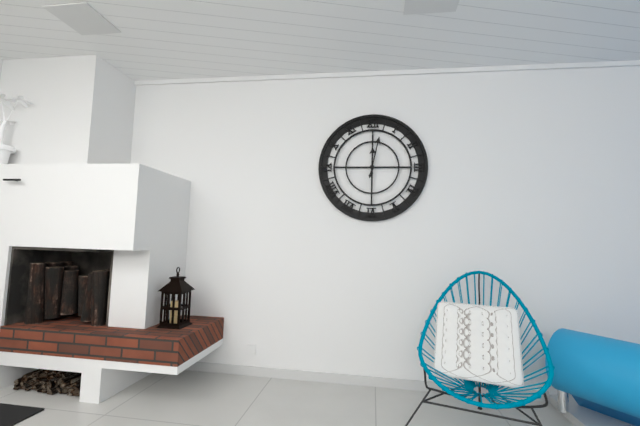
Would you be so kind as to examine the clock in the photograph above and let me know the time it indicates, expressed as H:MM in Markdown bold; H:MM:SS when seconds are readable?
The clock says **12:02**
